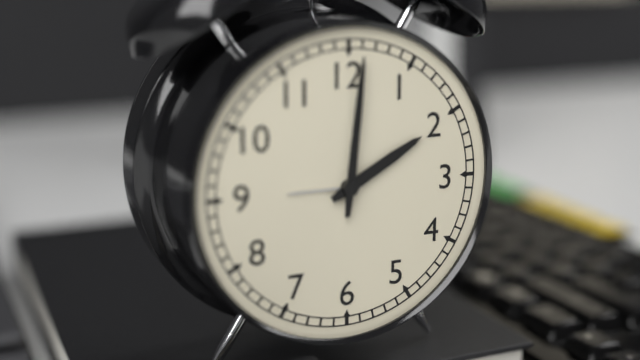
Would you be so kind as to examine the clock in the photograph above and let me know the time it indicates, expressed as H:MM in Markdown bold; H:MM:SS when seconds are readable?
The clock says **2:01**
